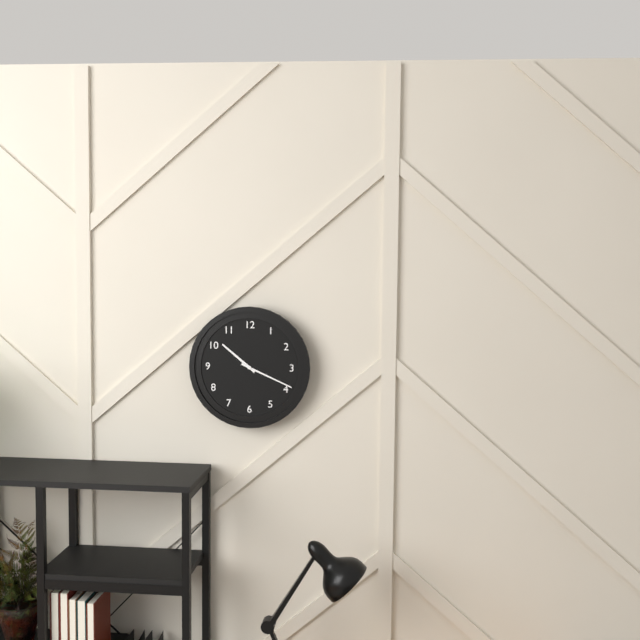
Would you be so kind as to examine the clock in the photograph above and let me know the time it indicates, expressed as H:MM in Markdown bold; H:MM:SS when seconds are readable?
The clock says **10:19**
